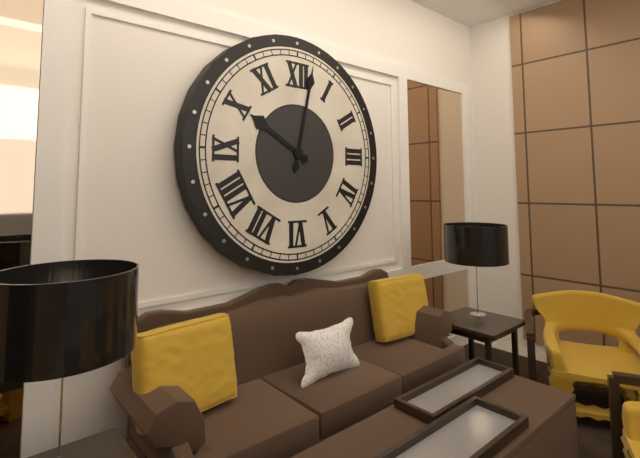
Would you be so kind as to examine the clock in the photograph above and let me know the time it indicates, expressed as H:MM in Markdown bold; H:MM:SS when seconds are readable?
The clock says **10:02**
